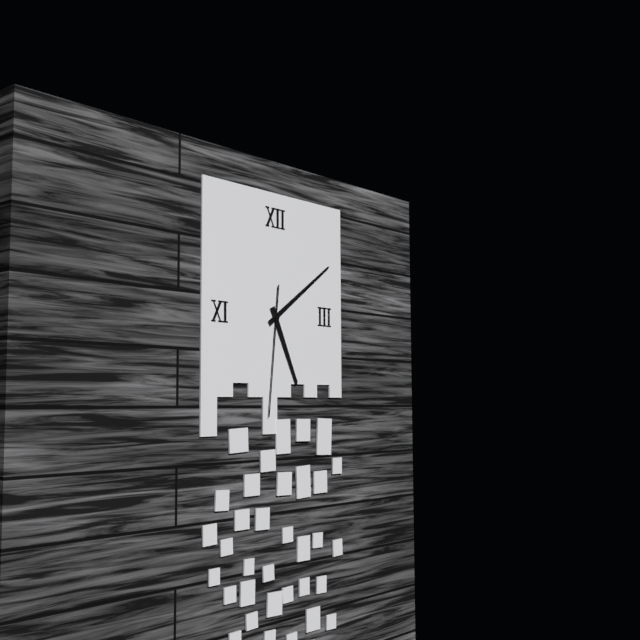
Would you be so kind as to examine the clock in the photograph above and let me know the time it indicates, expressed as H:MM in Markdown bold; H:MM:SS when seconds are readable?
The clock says **5:09:31**
